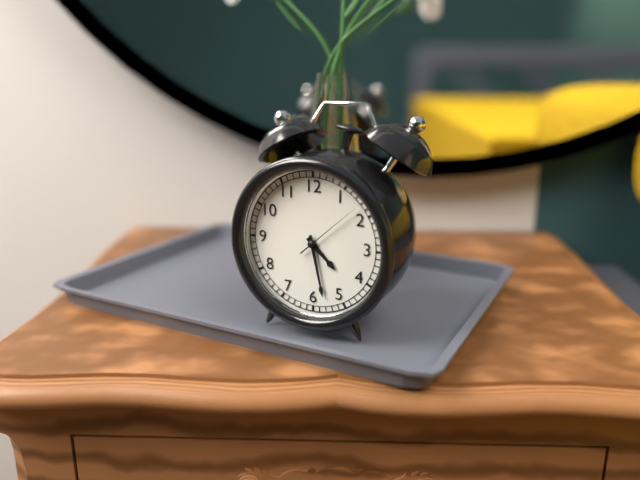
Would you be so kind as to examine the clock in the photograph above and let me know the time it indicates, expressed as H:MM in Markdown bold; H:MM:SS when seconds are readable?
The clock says **4:28:08**
